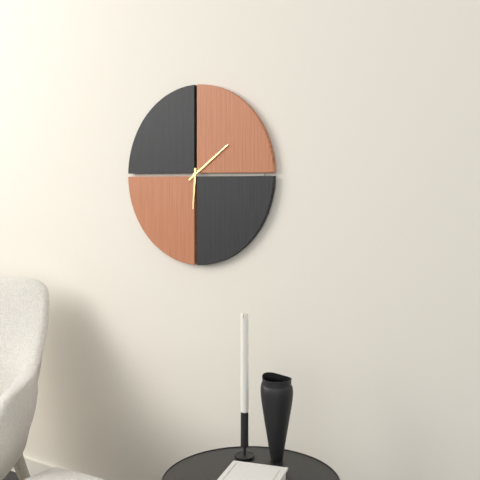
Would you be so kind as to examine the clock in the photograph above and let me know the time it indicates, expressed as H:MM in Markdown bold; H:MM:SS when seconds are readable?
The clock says **6:09**
